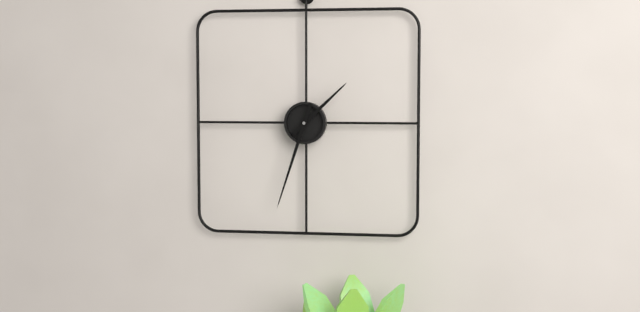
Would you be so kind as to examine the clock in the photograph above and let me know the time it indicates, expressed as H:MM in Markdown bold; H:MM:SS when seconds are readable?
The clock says **1:33**
